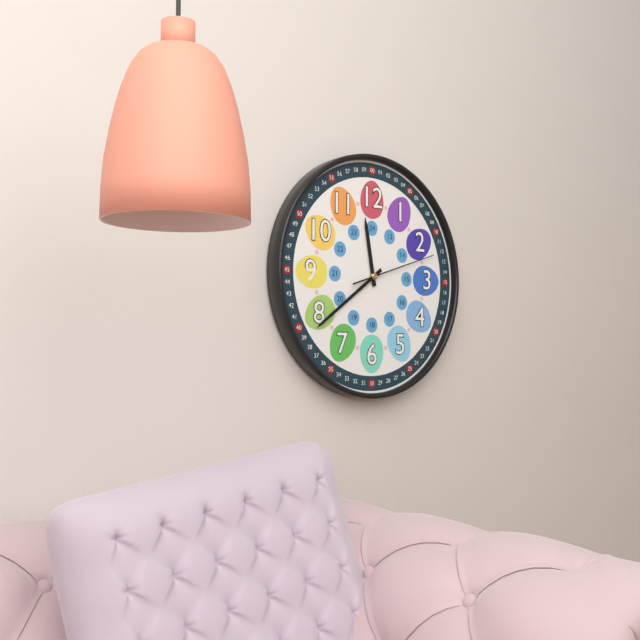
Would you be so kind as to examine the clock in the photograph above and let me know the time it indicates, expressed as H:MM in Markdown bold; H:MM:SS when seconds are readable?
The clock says **11:39:12**
